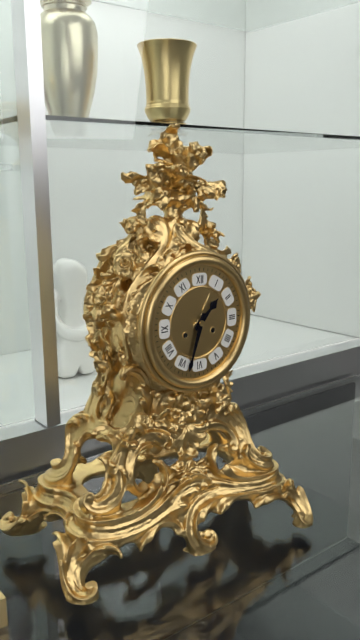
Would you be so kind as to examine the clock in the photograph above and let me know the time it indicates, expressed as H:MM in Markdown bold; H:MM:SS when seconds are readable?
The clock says **1:33**
